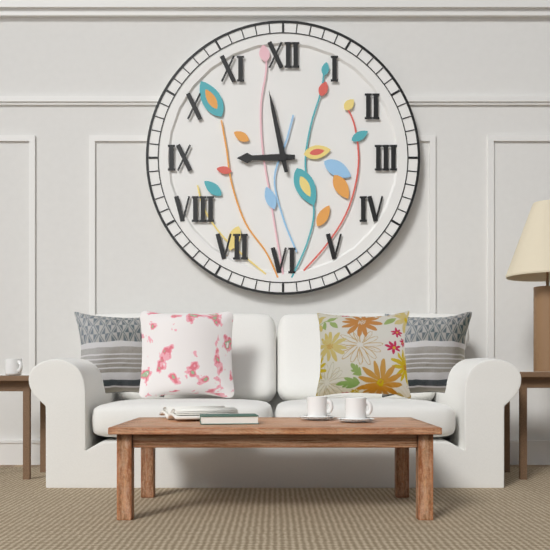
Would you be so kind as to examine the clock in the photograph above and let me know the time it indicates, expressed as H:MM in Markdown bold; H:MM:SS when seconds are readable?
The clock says **8:58**
